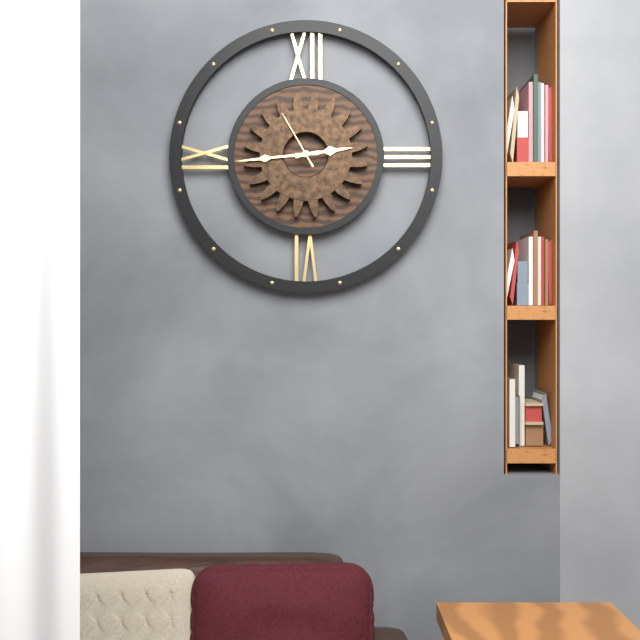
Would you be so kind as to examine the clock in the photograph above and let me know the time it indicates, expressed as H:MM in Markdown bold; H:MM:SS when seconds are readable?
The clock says **2:44:55**
